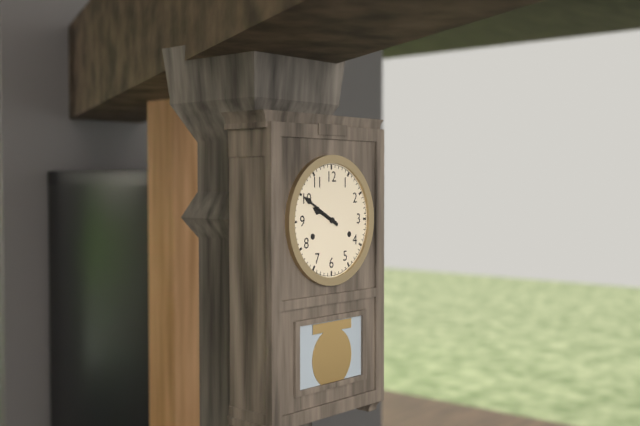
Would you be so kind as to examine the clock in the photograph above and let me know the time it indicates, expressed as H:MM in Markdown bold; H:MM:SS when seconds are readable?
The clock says **9:50**
